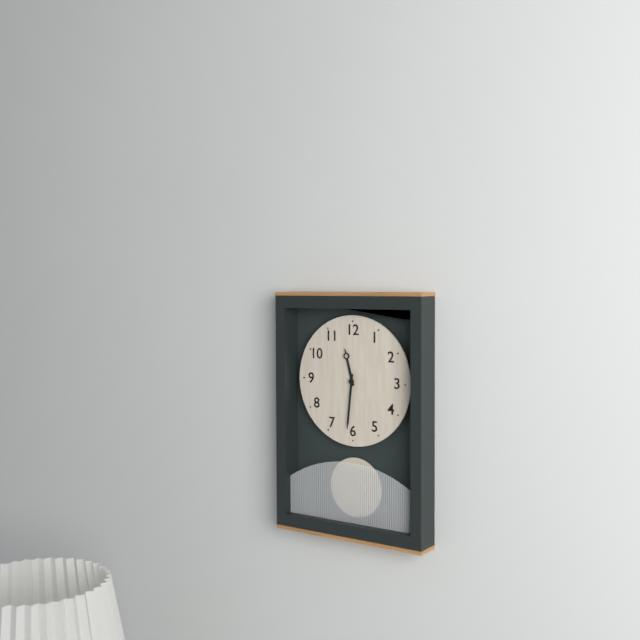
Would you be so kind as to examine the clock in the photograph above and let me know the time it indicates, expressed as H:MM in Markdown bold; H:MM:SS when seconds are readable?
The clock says **11:31**
